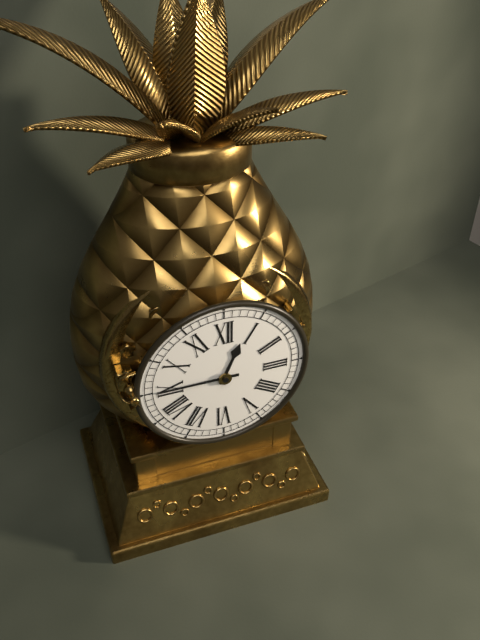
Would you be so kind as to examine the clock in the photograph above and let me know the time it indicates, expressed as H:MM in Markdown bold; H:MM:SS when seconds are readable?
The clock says **12:45**
